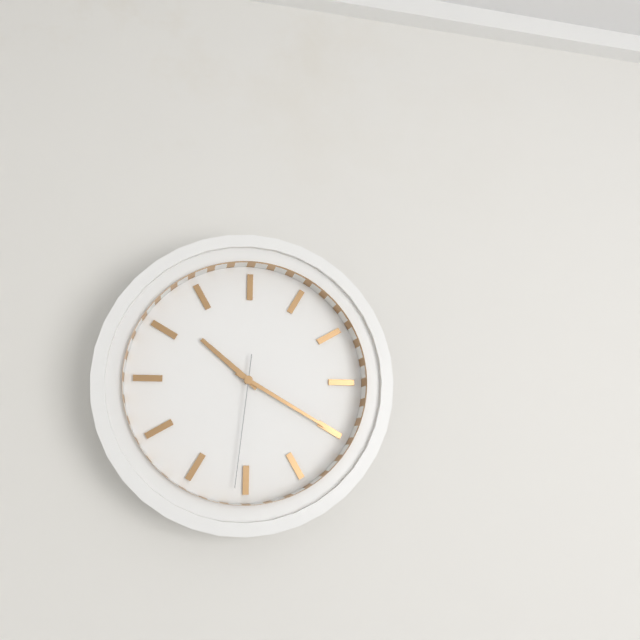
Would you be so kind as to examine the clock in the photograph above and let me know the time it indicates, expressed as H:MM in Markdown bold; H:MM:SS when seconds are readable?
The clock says **10:20:31**
